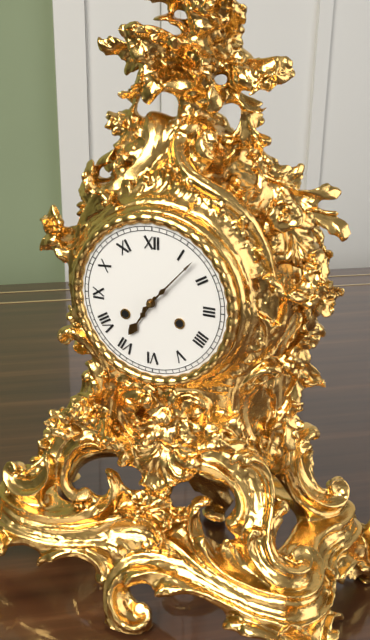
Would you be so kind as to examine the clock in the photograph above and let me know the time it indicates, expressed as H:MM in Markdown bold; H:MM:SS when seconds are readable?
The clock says **7:07**
